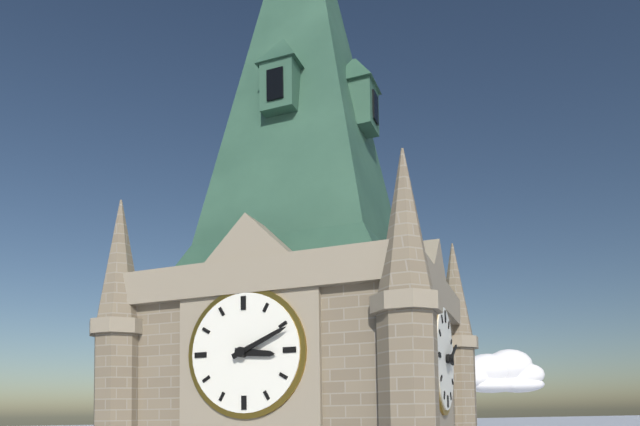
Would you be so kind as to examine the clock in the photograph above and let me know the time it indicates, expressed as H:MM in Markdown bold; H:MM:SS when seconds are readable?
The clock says **3:11**
